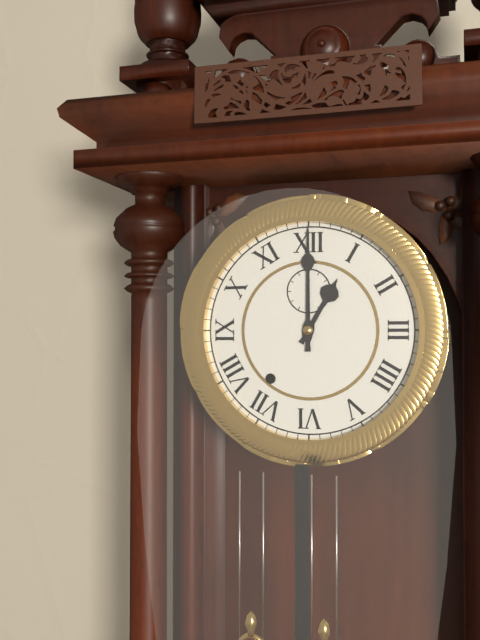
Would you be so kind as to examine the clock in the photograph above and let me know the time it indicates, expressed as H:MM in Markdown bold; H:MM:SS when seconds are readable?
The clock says **1:00**
